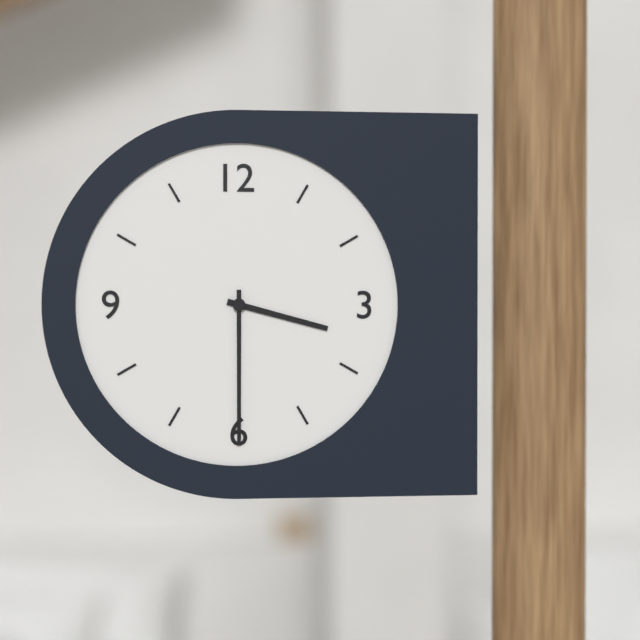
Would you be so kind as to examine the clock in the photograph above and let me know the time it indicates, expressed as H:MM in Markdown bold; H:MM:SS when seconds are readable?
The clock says **3:30**
